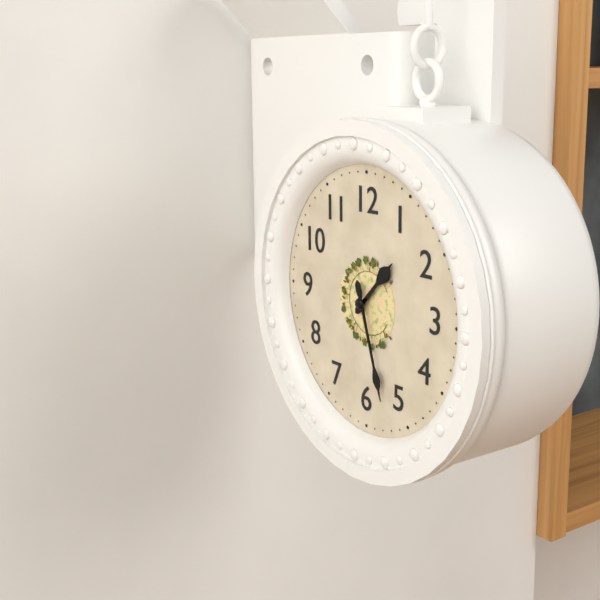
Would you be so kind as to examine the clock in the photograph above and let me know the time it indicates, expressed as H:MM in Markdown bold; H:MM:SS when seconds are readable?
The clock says **1:27**
